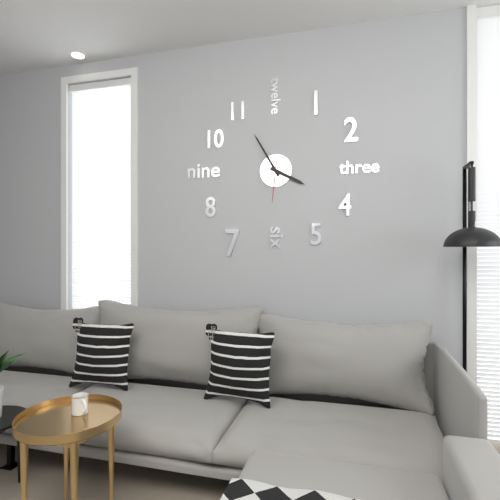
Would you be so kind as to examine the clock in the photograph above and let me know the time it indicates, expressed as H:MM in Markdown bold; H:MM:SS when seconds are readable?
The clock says **3:55**
